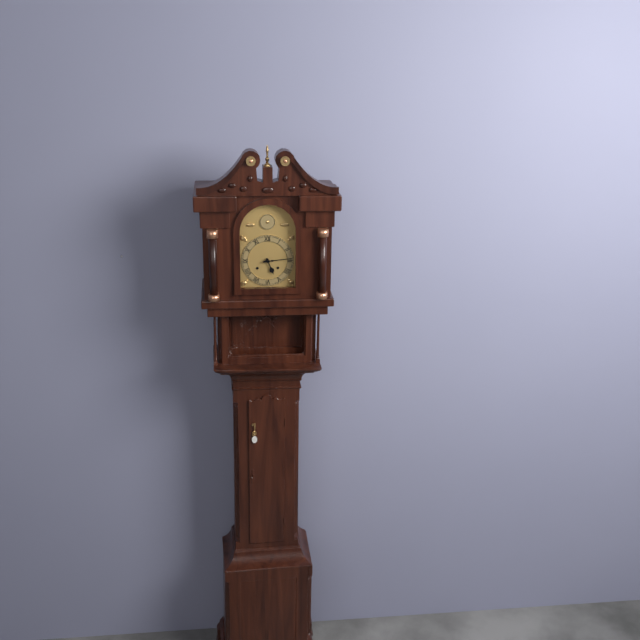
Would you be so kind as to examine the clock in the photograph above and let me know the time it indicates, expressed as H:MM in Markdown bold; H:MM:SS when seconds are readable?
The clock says **5:14**
